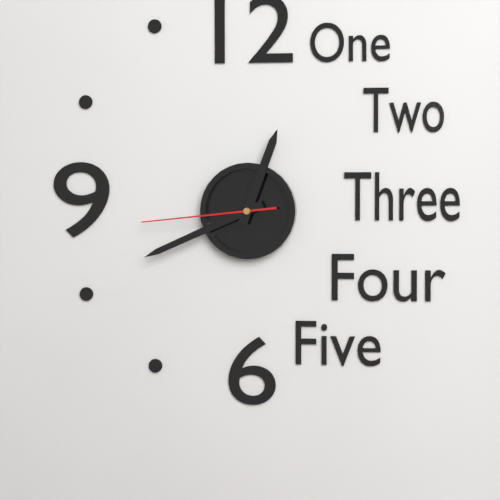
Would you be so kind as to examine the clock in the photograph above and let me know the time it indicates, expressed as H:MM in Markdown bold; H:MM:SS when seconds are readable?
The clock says **12:41:44**
